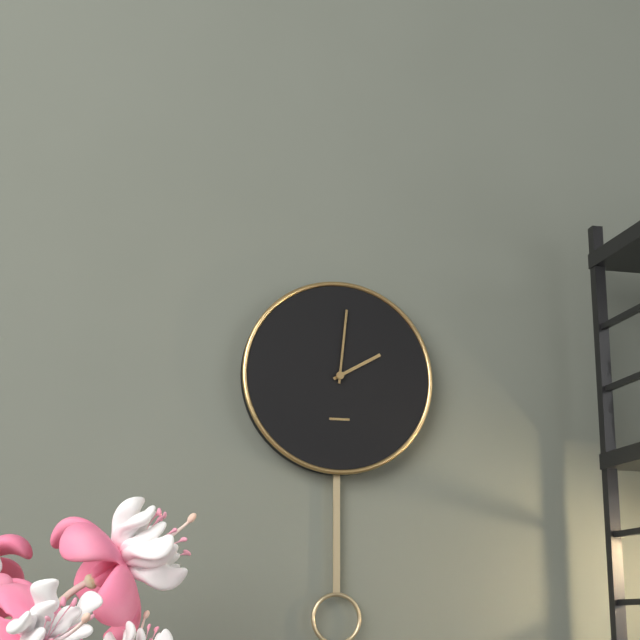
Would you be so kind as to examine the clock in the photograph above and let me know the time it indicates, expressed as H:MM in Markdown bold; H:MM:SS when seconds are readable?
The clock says **2:01**
